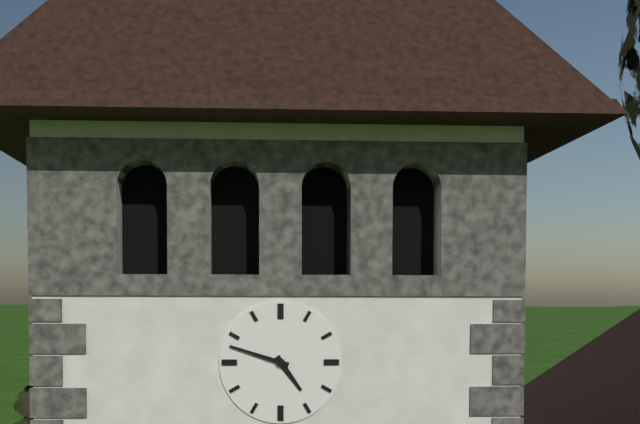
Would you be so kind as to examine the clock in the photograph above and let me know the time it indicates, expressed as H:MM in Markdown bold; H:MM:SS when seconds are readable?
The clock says **4:48**
